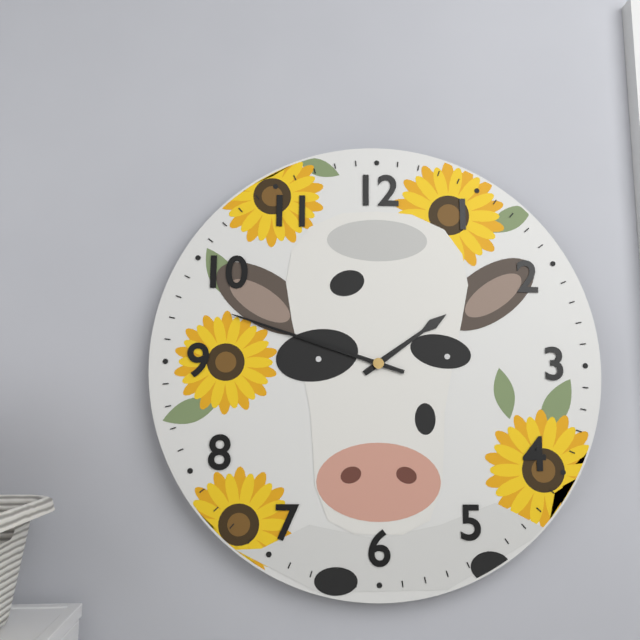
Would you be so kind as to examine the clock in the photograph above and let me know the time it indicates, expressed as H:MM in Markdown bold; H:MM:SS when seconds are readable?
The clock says **1:48**
